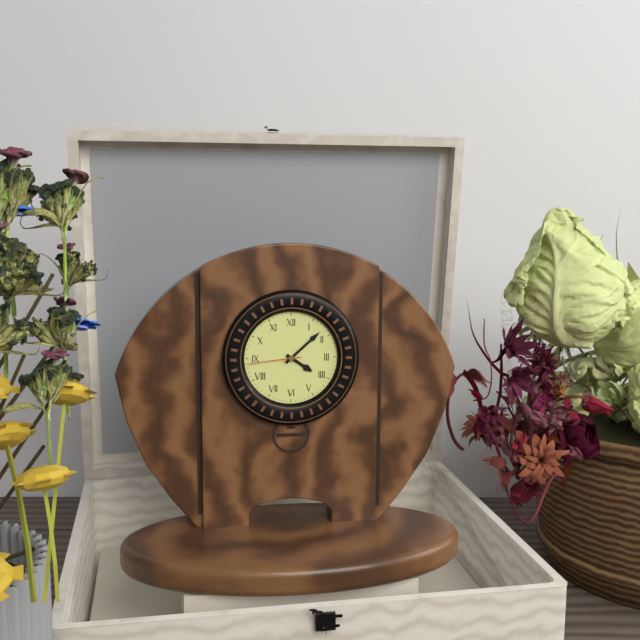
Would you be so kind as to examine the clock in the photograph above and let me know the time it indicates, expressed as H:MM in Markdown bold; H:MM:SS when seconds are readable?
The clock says **4:08:44**
